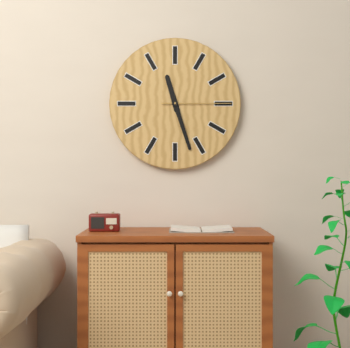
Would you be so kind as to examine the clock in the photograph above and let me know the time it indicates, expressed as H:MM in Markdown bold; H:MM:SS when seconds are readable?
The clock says **11:27:15**
